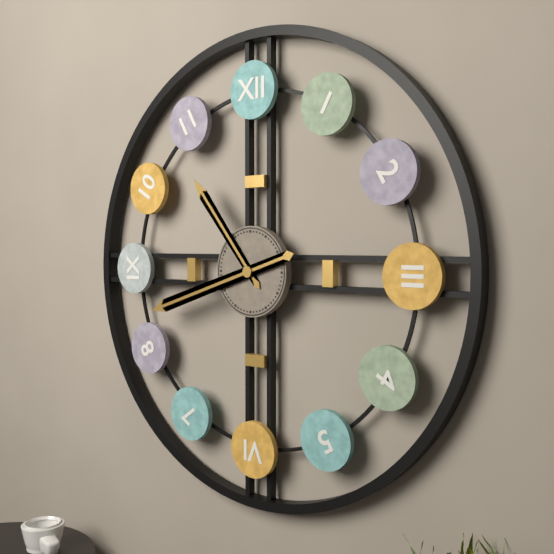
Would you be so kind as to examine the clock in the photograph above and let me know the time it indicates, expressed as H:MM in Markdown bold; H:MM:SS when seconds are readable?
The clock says **10:42**
